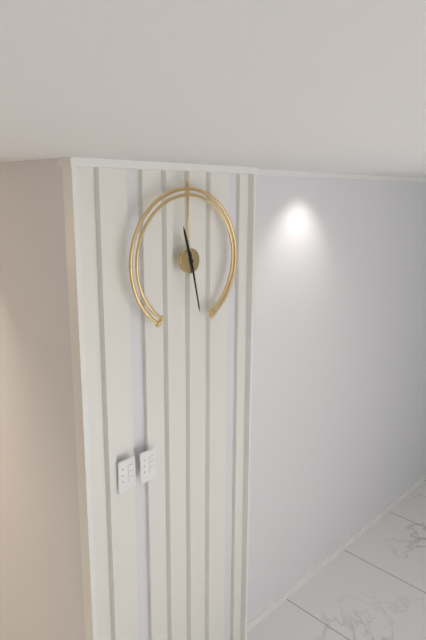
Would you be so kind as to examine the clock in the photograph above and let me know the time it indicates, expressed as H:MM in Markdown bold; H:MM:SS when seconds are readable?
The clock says **11:28**
